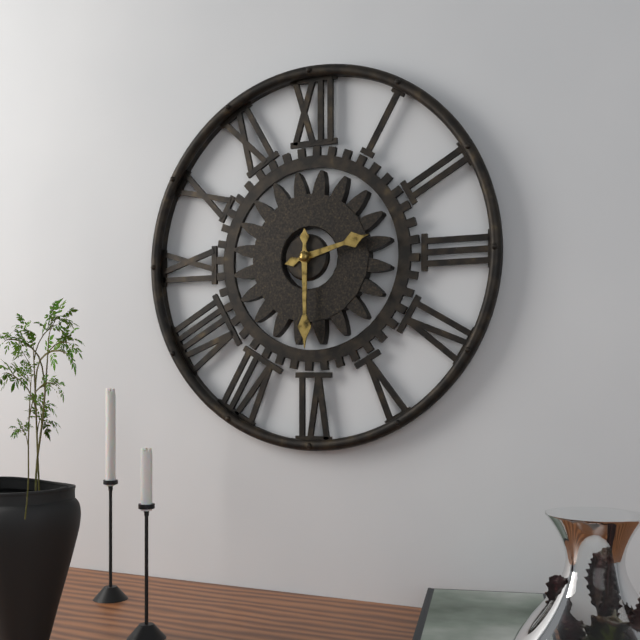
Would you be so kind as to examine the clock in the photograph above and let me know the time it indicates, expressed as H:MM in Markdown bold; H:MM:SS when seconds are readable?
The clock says **2:30**
